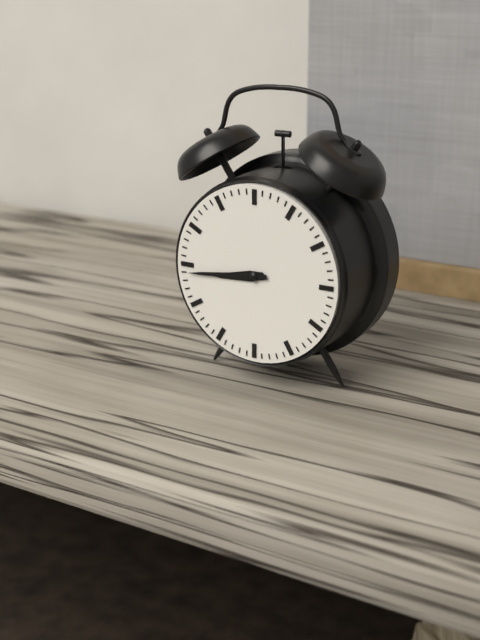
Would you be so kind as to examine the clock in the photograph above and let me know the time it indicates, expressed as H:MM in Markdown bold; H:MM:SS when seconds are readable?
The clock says **8:44**
